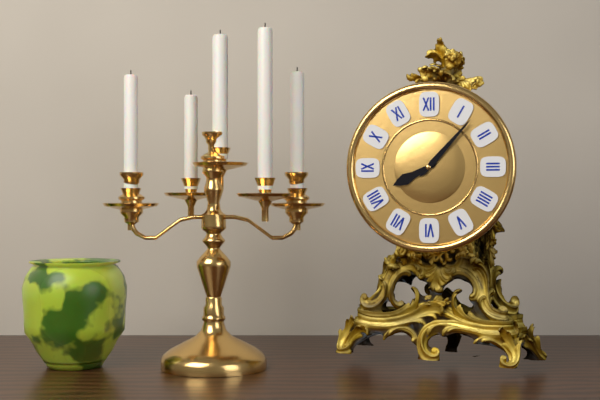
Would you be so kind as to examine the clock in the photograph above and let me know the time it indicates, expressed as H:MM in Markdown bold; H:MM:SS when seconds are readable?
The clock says **8:07**
